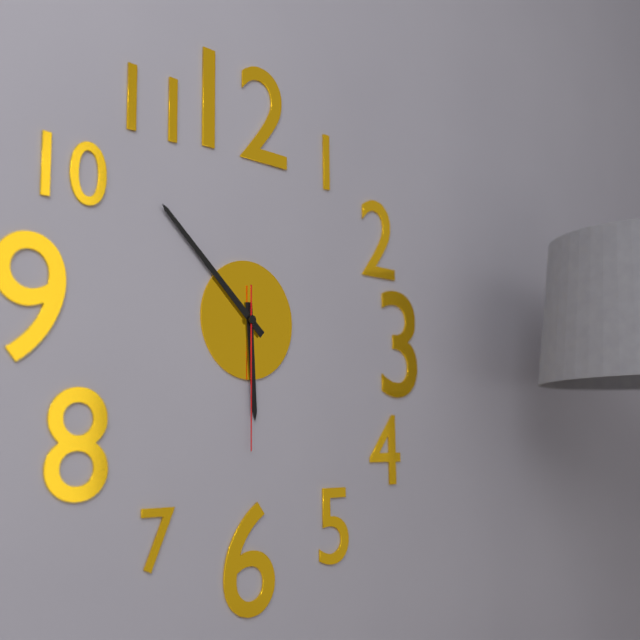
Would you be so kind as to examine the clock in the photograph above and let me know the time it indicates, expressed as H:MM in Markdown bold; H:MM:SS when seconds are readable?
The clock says **5:52:30**
